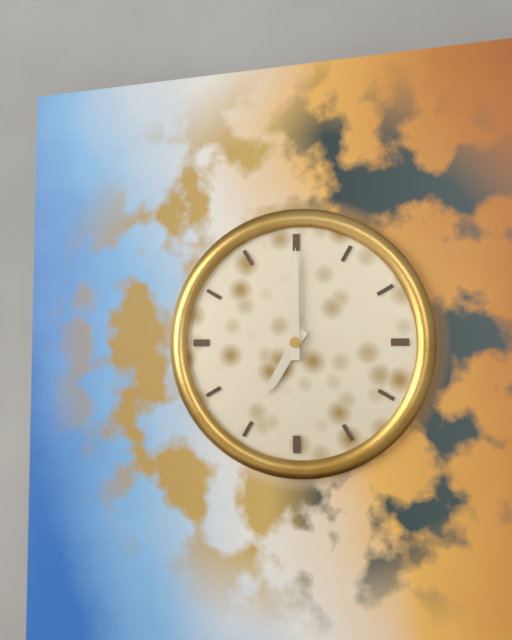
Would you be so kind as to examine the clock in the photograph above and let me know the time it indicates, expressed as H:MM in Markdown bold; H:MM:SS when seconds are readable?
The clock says **7:00**
